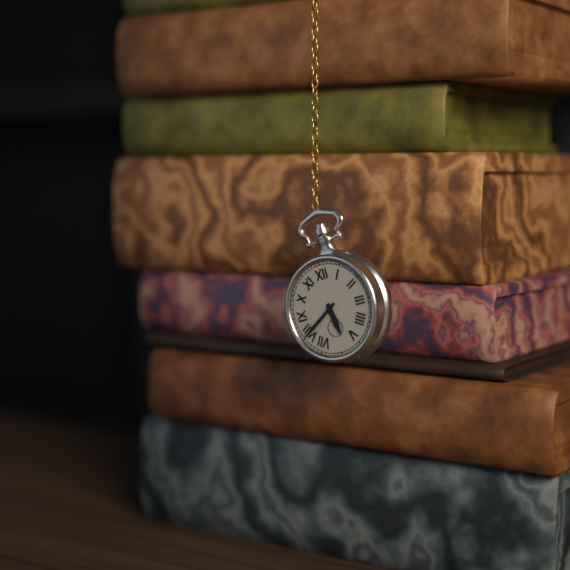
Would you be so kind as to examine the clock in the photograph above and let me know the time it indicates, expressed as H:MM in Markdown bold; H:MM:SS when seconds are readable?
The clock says **5:40**
